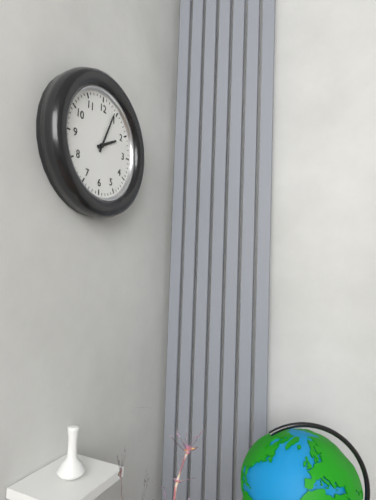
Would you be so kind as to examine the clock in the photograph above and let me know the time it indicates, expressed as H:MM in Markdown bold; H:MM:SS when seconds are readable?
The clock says **2:04**
